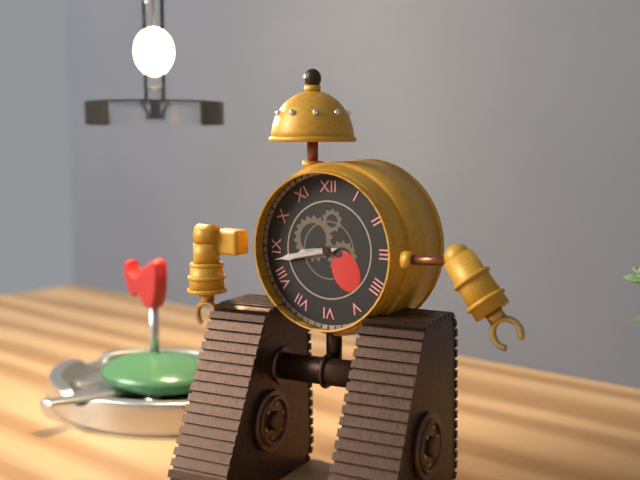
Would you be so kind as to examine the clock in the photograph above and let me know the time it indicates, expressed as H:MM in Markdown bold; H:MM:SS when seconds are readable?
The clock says **8:43**
